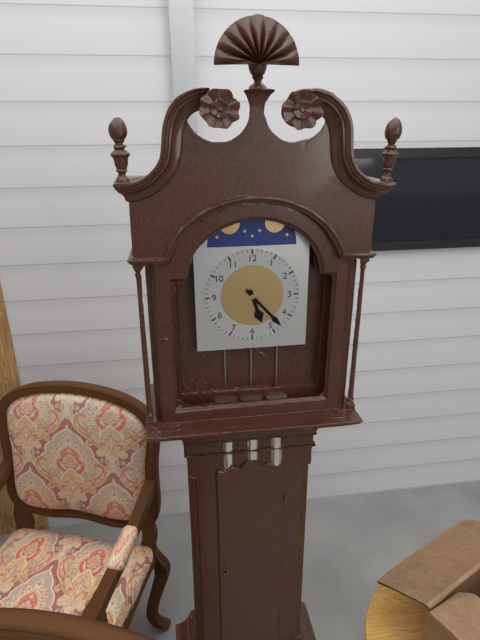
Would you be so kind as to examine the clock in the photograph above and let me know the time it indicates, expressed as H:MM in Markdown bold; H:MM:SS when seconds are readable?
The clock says **5:23**
